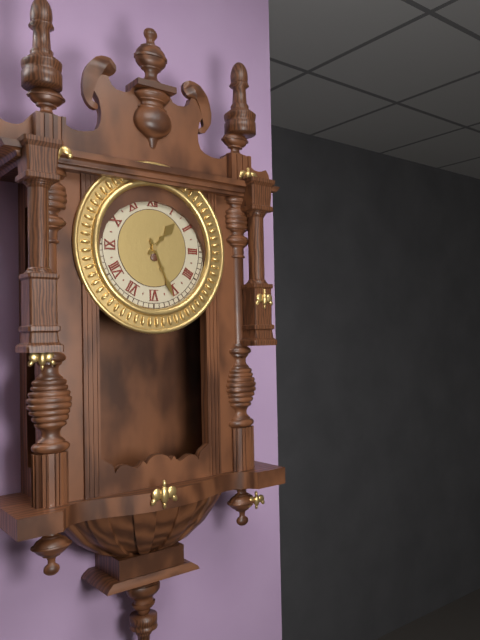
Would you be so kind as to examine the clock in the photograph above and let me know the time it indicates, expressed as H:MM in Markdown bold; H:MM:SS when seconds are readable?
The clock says **1:26**
